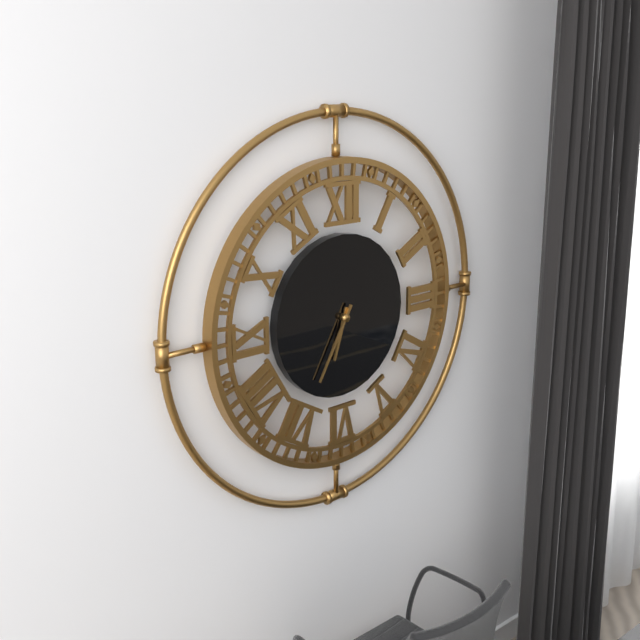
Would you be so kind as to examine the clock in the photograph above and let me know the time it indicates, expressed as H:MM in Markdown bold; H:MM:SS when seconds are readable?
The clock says **6:35**
